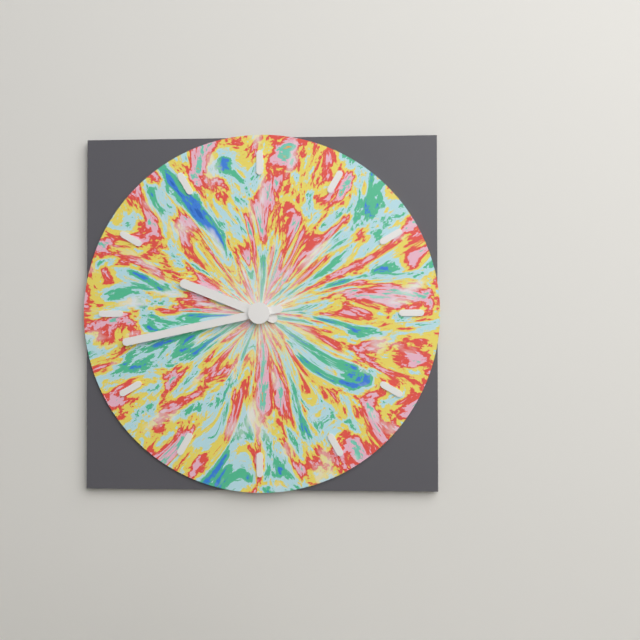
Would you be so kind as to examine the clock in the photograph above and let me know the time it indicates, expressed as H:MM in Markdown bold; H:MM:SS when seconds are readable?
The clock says **9:43**
